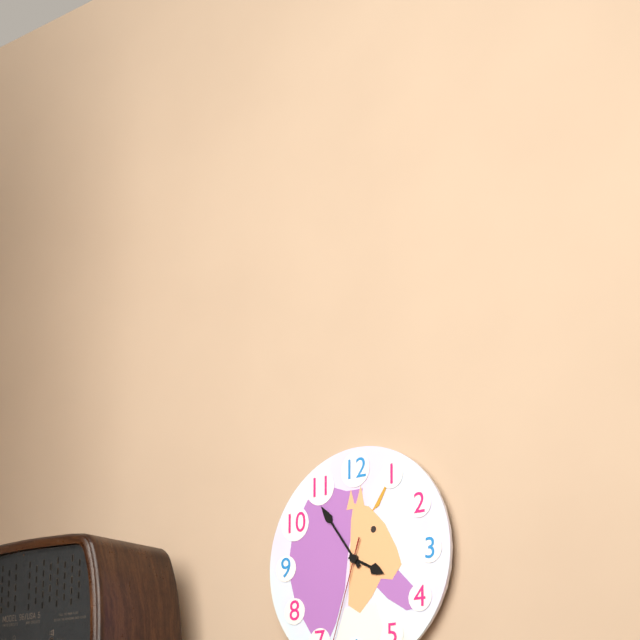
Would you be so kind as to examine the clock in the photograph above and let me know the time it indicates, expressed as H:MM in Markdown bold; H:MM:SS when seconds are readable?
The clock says **3:54**
